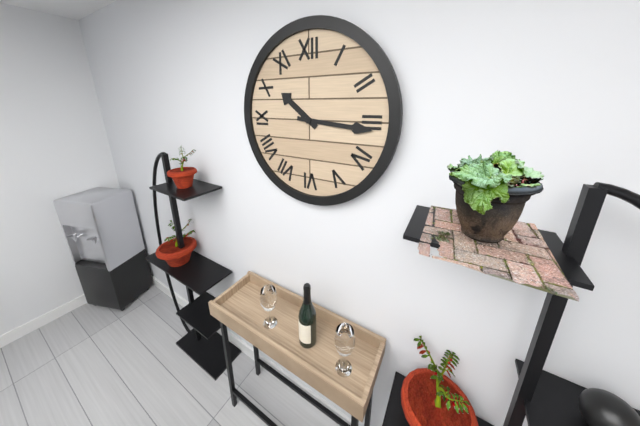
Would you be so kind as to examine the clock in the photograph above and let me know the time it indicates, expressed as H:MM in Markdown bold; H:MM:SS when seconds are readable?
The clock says **10:16**
